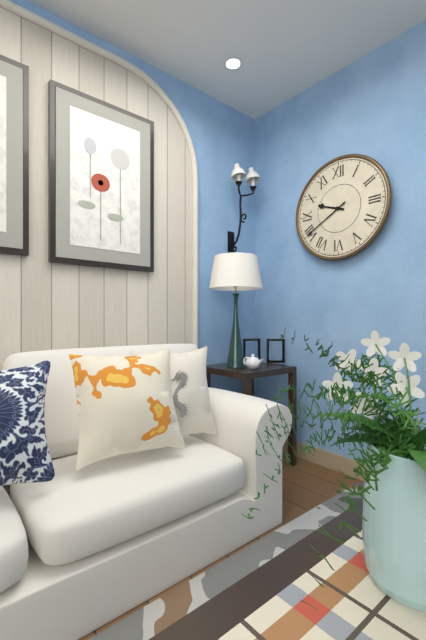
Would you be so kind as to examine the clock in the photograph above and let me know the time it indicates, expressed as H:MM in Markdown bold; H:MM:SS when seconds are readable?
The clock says **9:40**
